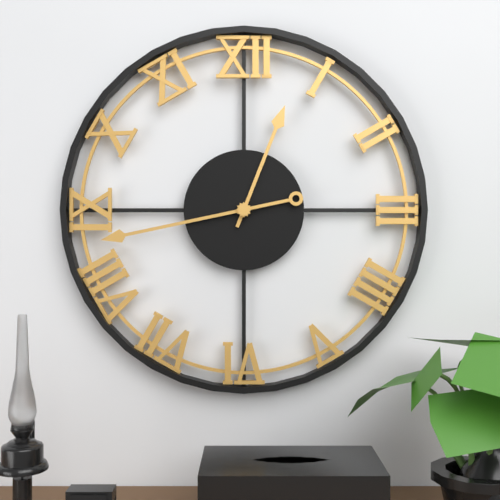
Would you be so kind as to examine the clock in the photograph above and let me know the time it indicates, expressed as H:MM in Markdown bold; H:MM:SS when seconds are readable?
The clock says **12:43**
